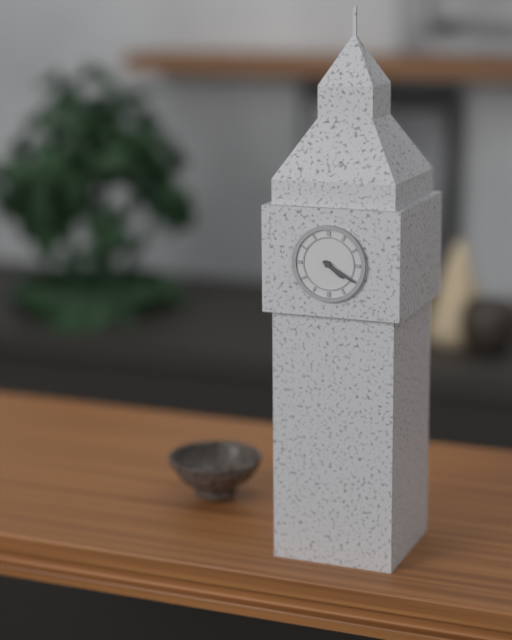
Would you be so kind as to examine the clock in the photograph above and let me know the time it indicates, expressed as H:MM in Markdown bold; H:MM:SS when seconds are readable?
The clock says **4:20**
